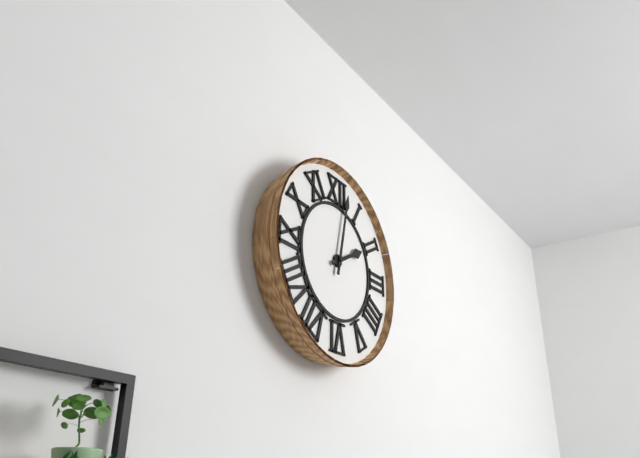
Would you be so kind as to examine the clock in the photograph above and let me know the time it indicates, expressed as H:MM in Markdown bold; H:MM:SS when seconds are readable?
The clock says **2:02**
